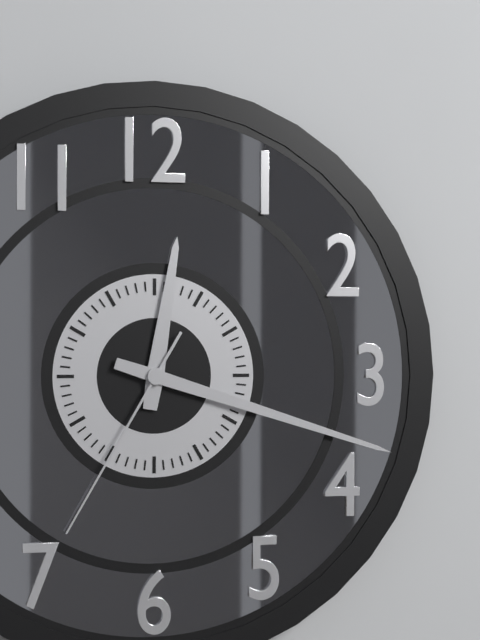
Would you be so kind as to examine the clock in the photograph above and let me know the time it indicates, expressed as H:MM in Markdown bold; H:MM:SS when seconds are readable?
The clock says **12:18:35**
